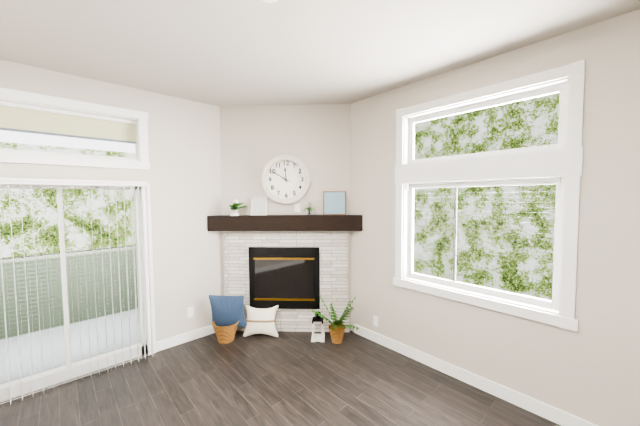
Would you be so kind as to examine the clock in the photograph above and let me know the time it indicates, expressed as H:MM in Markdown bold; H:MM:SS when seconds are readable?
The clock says **11:50**
